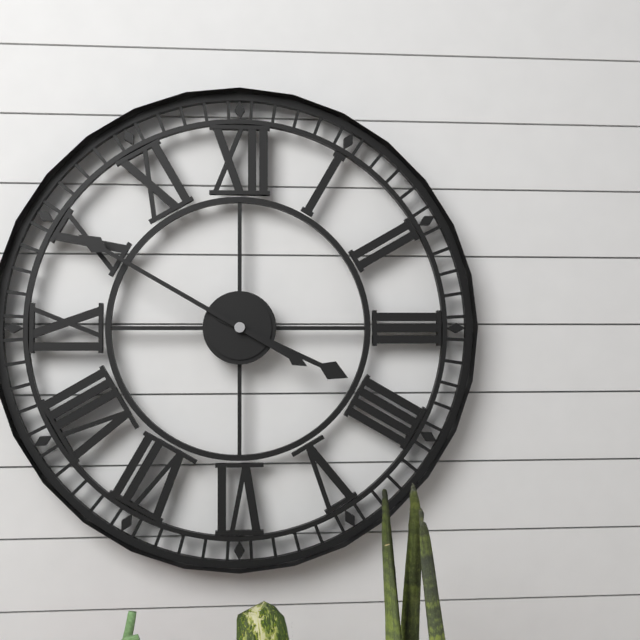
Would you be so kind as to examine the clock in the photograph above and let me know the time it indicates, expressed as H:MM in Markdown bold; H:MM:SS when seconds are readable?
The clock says **3:50**
